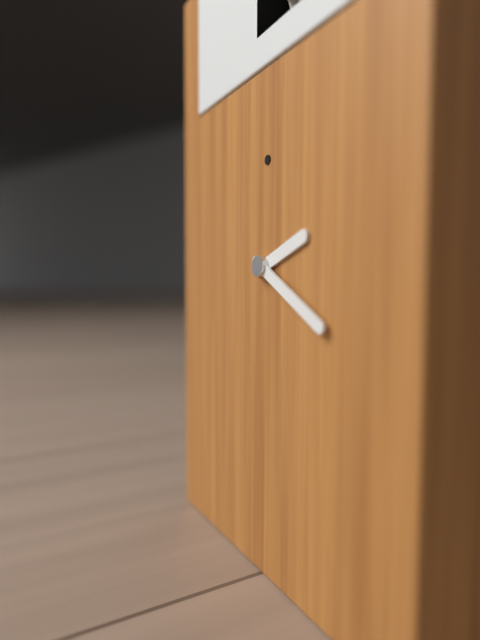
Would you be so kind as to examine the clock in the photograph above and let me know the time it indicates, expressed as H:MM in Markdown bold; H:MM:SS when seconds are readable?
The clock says **2:20**
